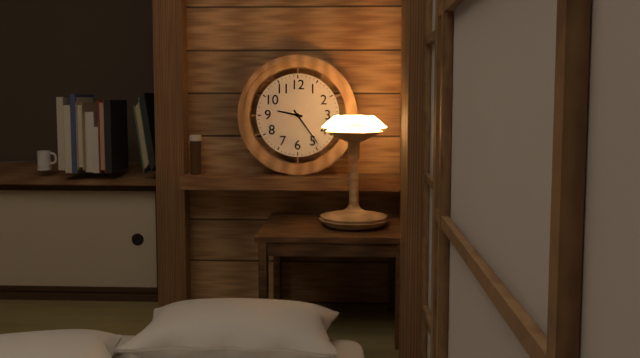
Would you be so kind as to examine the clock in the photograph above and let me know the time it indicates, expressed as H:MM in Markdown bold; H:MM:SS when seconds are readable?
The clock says **9:24**
